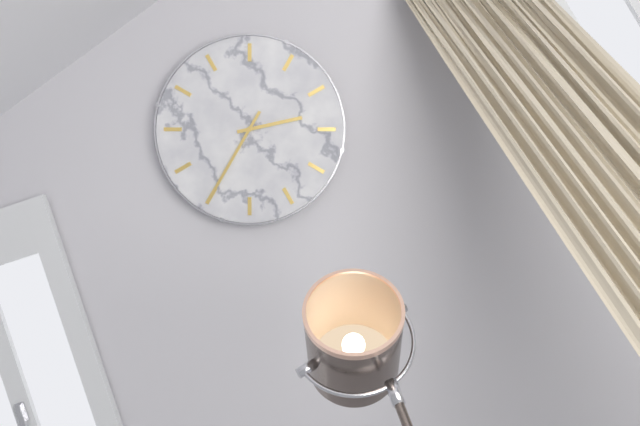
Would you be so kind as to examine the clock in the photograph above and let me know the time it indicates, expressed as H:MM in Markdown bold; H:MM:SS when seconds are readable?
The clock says **2:35**
